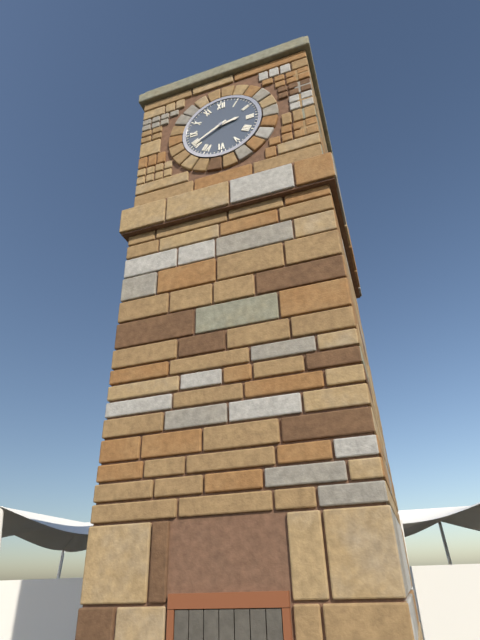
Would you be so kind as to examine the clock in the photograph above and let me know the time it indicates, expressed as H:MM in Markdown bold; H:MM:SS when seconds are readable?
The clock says **2:40**
